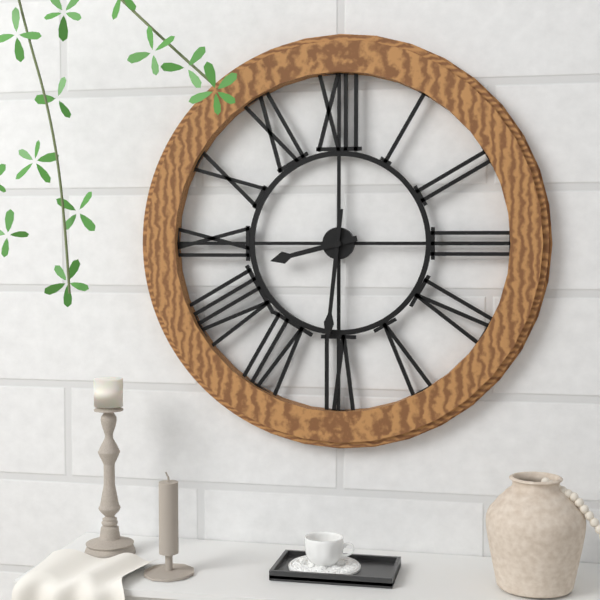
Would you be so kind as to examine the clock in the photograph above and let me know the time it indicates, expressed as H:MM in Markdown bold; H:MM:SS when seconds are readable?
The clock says **8:31**
